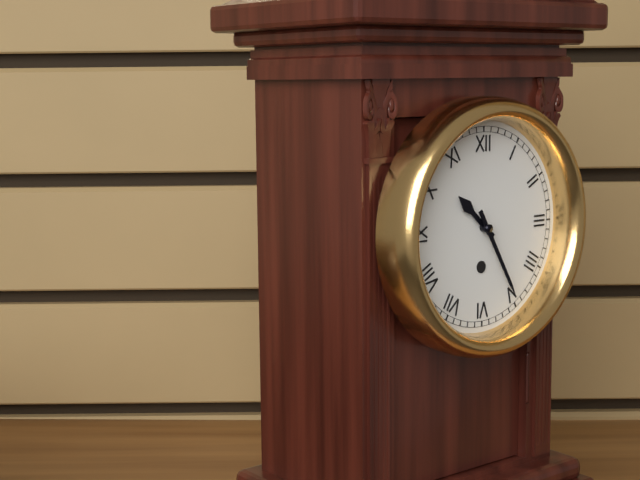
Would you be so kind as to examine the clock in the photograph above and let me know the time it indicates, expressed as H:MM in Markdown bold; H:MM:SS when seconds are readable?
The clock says **10:25**
